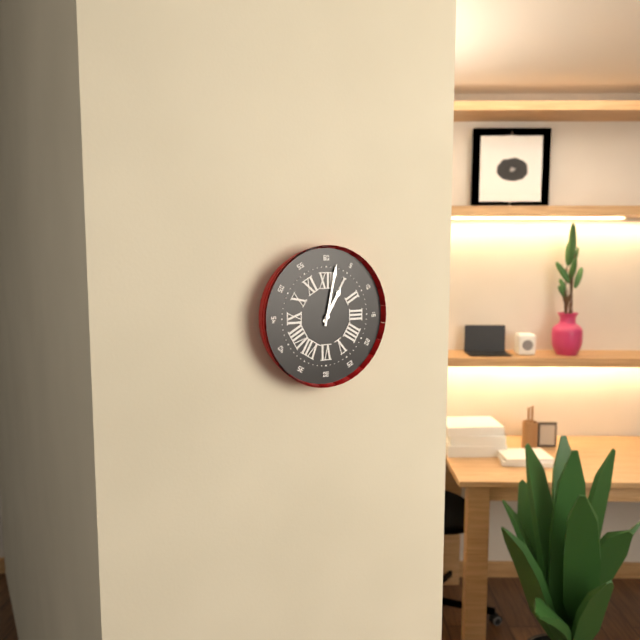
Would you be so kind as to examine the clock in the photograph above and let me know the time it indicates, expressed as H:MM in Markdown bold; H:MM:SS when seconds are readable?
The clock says **1:02**
